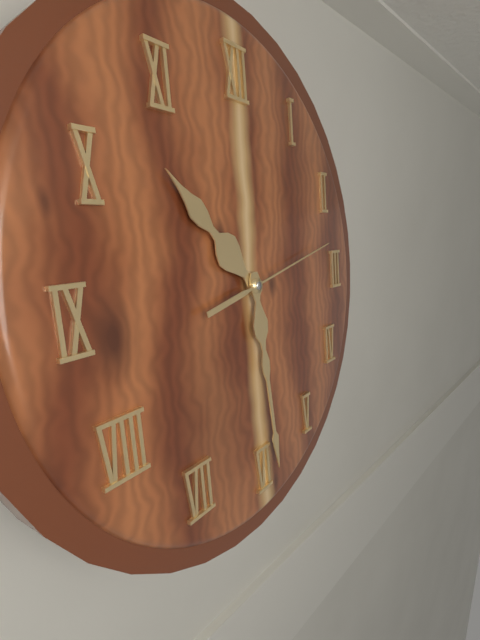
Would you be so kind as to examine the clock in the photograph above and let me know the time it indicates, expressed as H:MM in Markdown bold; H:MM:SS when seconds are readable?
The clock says **10:29:13**
